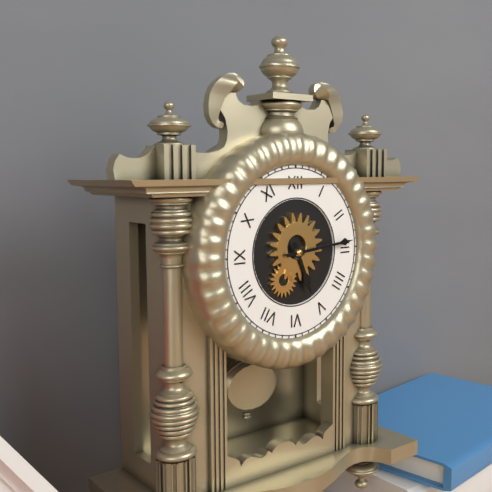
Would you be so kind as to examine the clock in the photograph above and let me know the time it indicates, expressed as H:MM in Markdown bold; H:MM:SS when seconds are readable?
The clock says **5:14**
